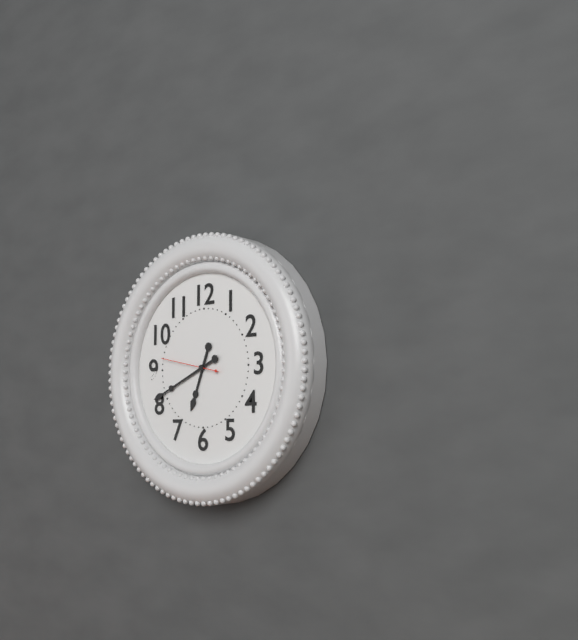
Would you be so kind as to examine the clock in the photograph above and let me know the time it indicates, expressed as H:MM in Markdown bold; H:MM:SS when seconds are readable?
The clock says **6:41:47**
